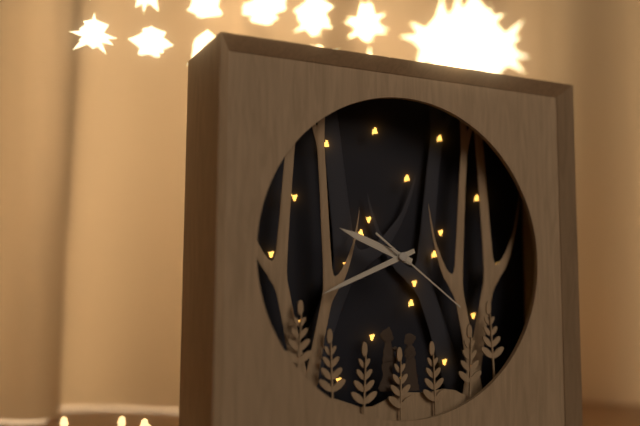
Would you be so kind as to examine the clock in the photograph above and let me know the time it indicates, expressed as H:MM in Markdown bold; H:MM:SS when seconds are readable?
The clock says **9:41:21**
